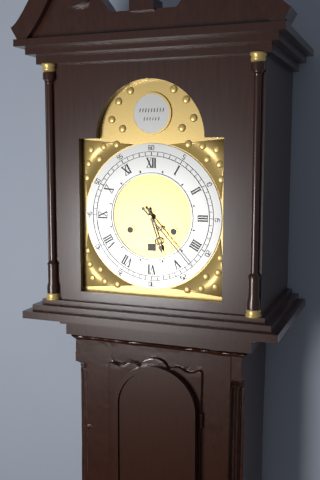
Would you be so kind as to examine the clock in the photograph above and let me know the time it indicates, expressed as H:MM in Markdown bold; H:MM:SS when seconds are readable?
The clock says **5:23**
